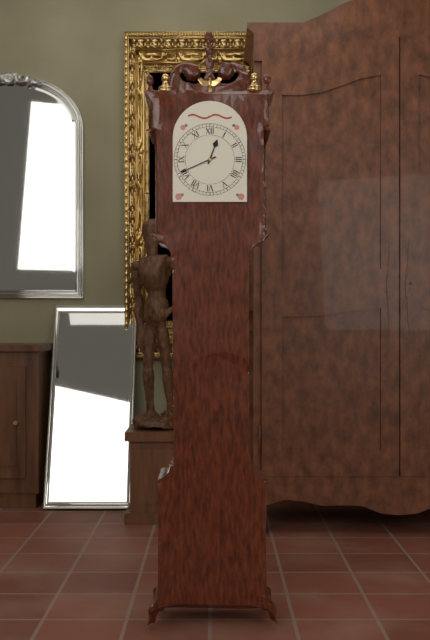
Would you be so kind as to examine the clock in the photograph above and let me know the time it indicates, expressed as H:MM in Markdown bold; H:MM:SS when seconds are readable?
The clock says **12:41**
